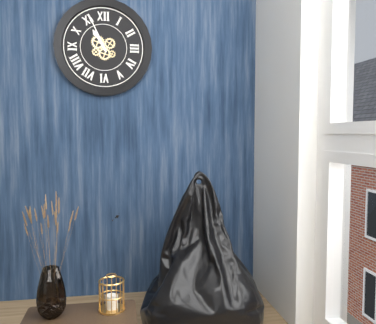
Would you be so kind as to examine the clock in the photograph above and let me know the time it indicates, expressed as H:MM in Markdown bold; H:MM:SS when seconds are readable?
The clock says **10:56**
